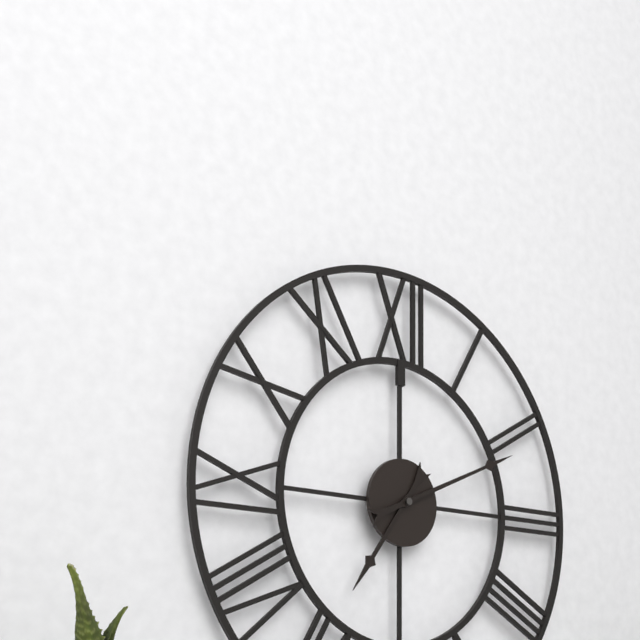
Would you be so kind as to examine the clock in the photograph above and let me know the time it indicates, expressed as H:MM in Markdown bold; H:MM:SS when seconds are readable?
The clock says **7:11**
